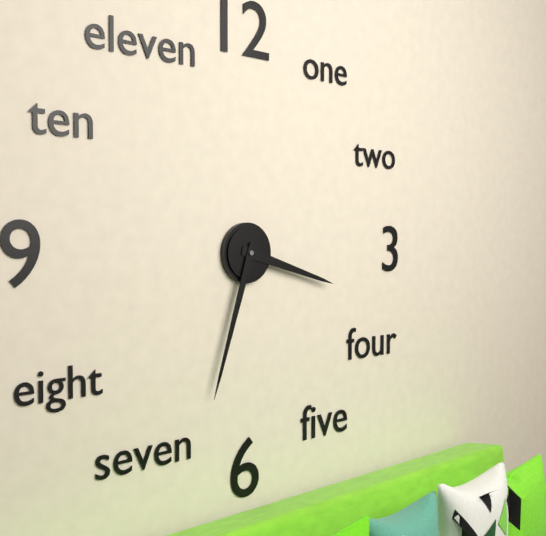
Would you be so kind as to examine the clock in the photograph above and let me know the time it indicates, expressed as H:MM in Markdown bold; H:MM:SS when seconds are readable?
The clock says **3:33**
